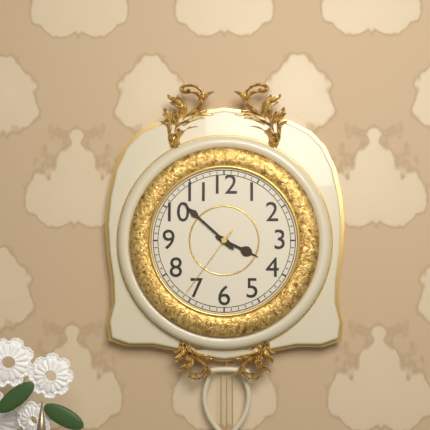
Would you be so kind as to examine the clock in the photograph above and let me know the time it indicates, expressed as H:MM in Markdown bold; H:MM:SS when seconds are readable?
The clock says **3:52:36**
